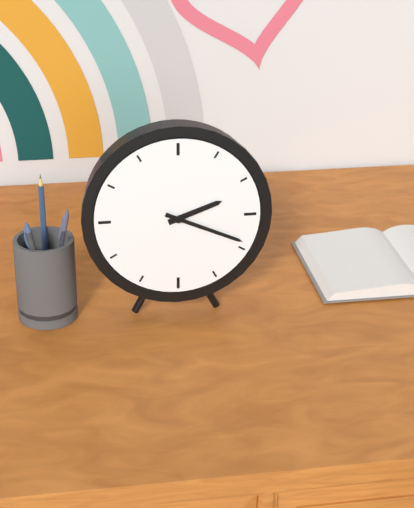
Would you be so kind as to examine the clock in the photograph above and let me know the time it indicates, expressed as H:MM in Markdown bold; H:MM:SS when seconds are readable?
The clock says **2:19**
